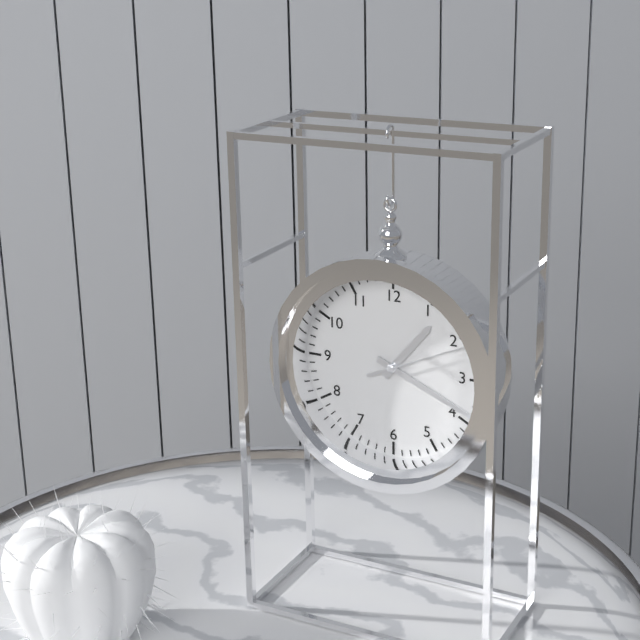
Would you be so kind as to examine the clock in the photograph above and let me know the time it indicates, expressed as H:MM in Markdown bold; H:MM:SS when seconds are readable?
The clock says **1:19:11**
